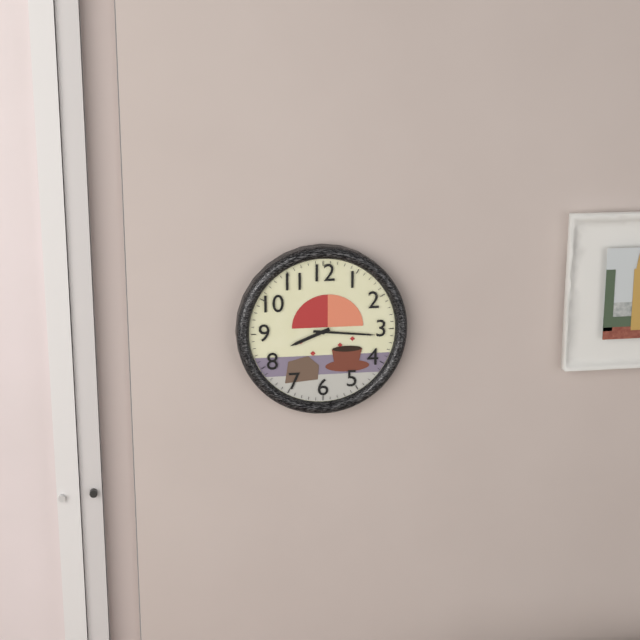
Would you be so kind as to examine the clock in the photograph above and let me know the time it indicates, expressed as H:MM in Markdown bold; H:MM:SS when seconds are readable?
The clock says **8:16**
